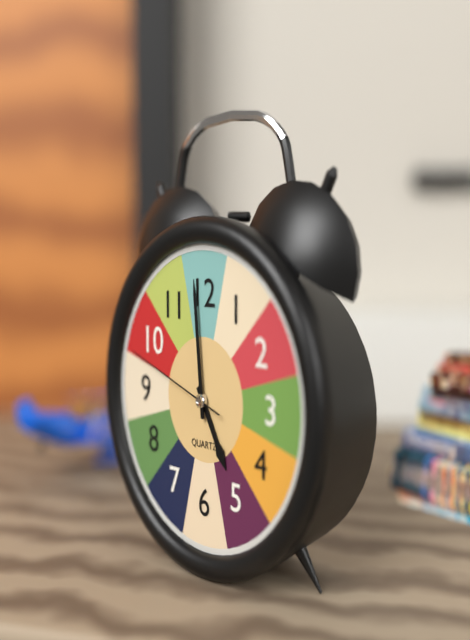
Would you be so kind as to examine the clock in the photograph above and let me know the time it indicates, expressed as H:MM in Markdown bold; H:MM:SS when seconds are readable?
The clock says **4:59:48**
